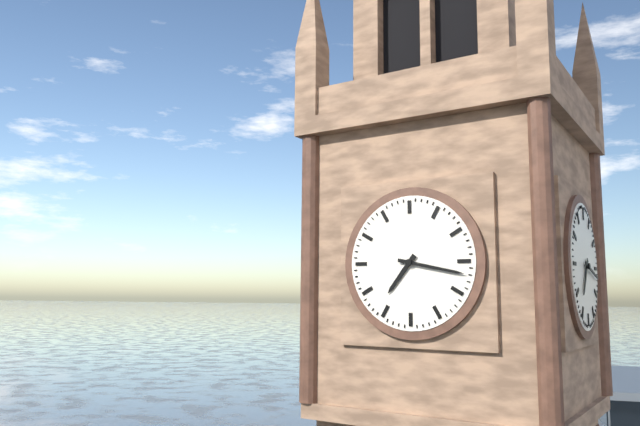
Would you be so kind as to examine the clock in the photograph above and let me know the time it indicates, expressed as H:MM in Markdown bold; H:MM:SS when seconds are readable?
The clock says **7:17**
